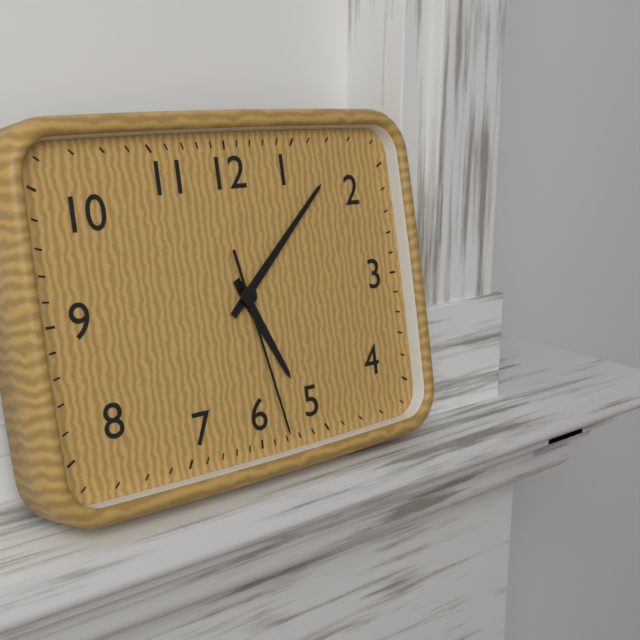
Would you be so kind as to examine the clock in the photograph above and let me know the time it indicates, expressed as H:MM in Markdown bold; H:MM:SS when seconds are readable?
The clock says **5:08:28**
